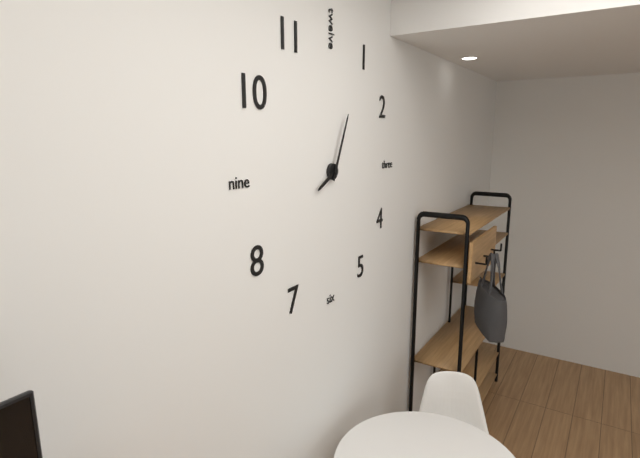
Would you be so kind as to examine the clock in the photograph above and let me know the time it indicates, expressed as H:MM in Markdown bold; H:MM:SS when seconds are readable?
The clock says **8:04**
